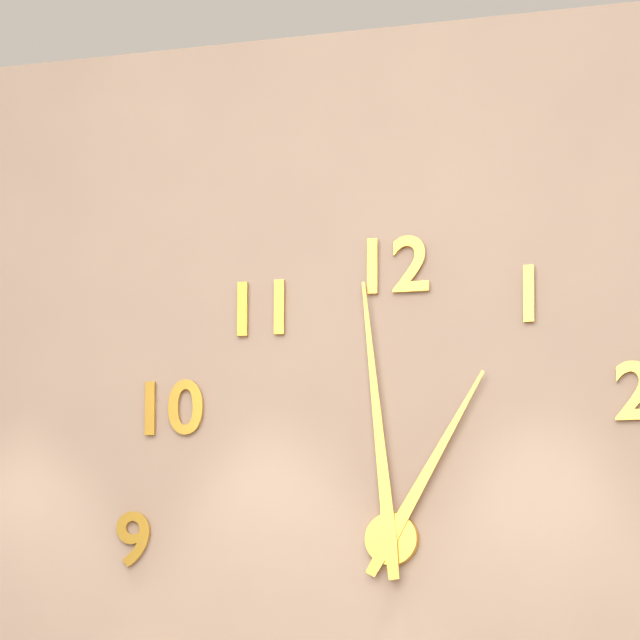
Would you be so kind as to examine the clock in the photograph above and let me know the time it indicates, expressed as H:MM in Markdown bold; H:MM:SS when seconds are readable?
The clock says **12:59**
